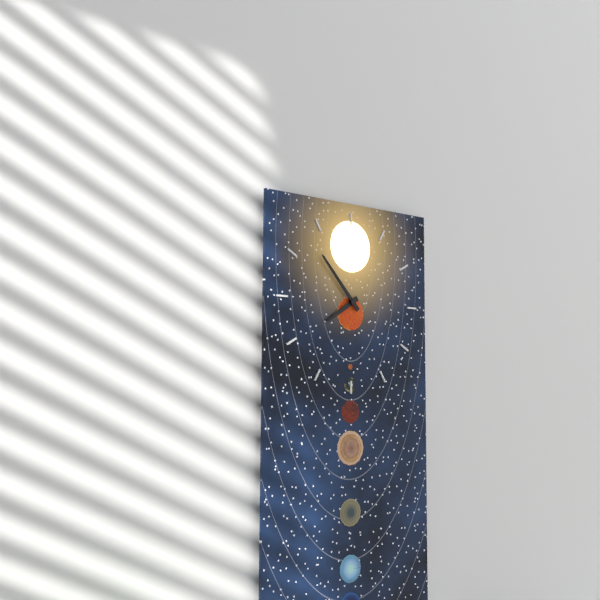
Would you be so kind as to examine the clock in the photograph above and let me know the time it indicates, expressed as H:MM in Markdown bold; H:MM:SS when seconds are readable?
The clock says **7:53**
